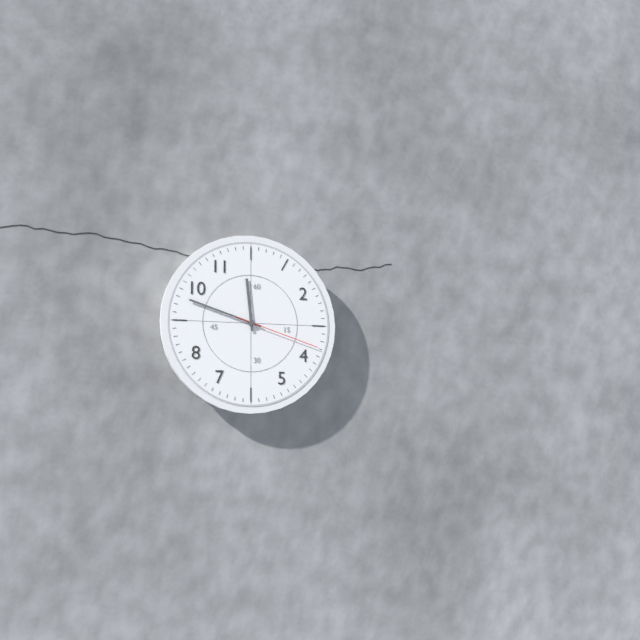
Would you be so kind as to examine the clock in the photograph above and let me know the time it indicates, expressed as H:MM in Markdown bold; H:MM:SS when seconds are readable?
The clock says **11:48:18**
